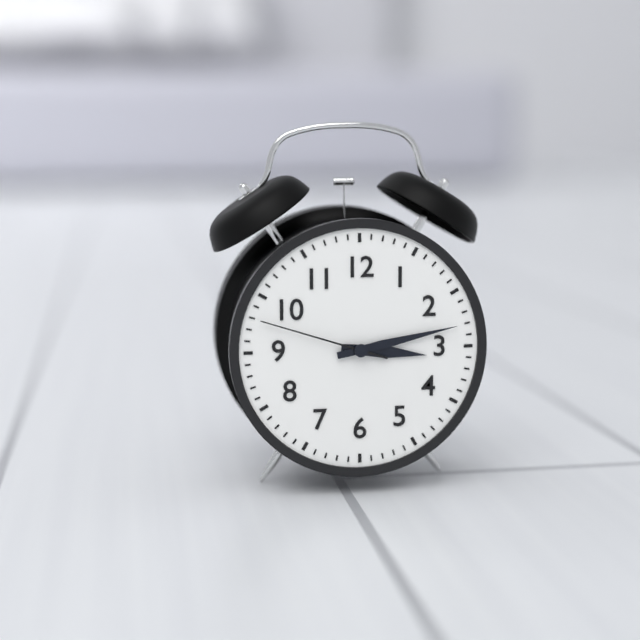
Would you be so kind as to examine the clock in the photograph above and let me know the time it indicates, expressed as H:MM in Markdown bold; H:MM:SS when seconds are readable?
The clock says **3:13:48**
